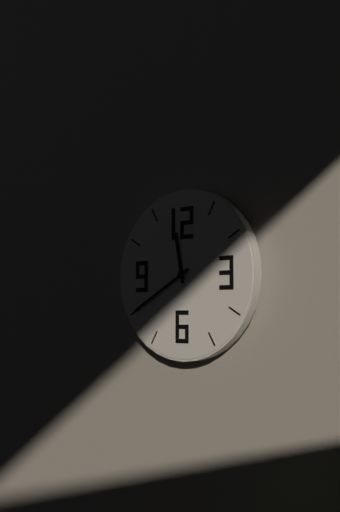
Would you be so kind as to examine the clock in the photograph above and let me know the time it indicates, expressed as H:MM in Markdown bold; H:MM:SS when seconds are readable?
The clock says **11:40**
